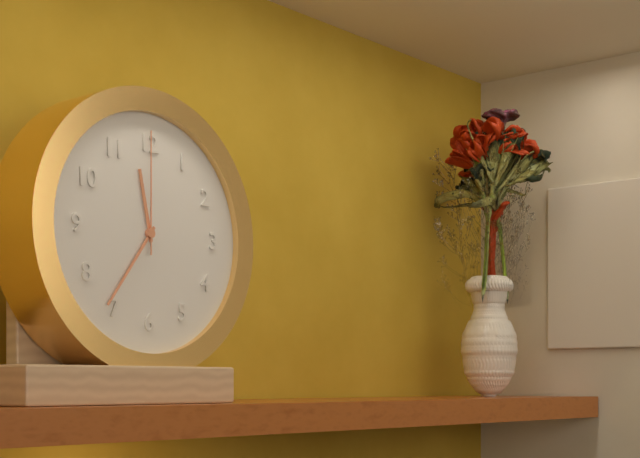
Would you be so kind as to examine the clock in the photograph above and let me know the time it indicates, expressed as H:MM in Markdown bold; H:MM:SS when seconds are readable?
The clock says **11:36:00**
